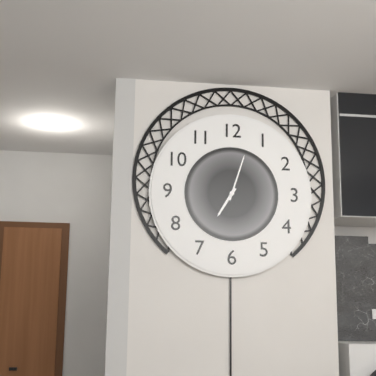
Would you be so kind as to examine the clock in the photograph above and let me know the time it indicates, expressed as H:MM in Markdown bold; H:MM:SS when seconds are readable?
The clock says **7:03**
